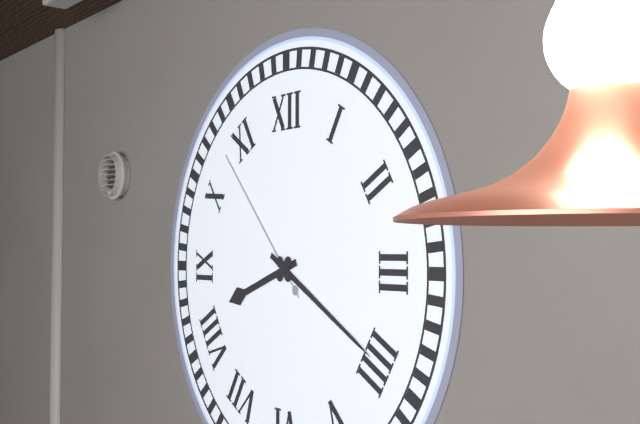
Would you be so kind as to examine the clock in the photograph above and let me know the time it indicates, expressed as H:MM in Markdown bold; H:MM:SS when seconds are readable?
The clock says **8:20:53**
